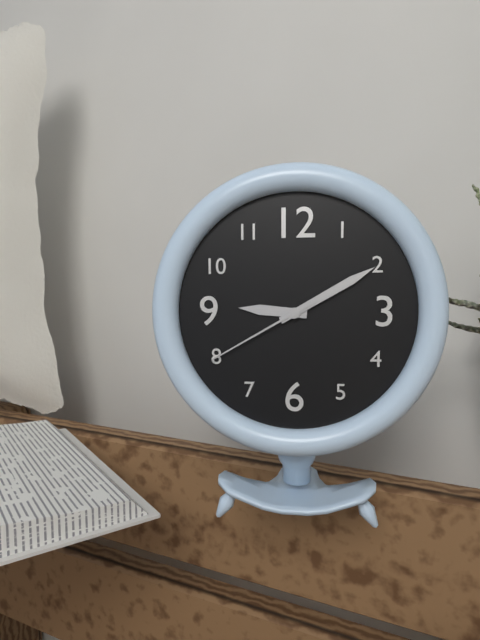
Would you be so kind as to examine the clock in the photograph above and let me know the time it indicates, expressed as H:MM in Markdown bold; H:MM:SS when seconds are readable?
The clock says **9:10:40**
